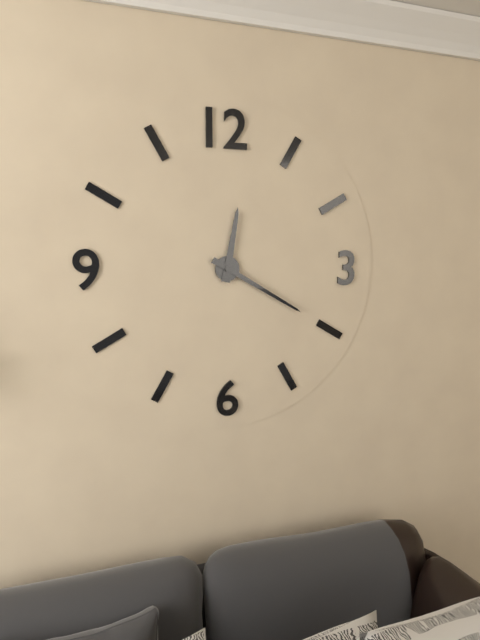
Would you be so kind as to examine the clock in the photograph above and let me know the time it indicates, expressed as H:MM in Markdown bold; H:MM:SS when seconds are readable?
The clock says **12:20**
